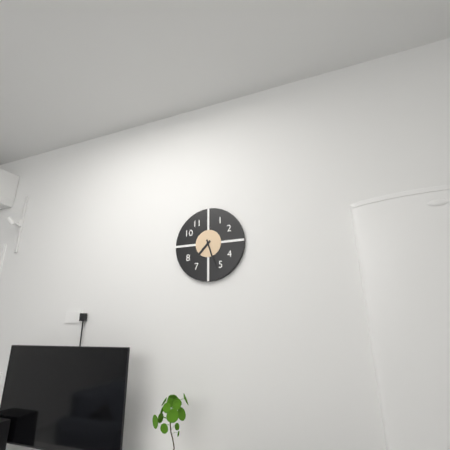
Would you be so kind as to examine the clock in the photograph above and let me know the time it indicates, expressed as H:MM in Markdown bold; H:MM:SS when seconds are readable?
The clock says **7:27**
